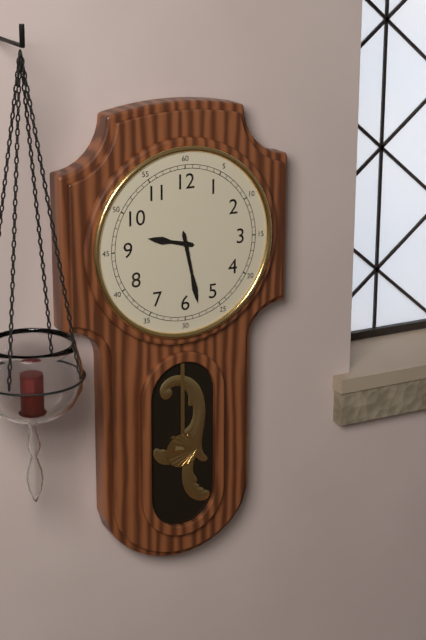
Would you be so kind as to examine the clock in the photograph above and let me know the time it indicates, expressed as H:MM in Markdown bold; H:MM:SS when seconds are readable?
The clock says **9:28**
